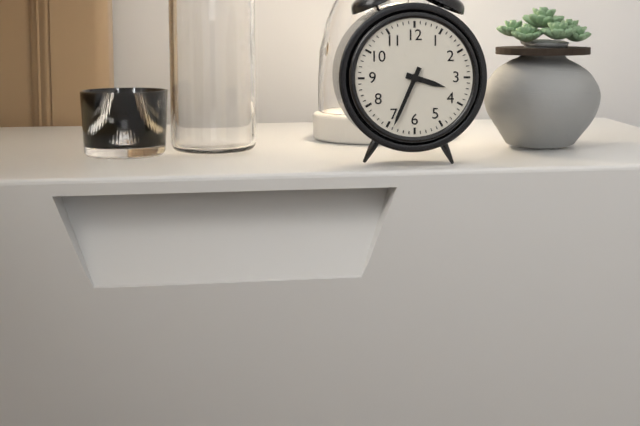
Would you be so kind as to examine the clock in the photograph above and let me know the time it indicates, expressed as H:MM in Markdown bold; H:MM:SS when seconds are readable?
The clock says **3:34**
